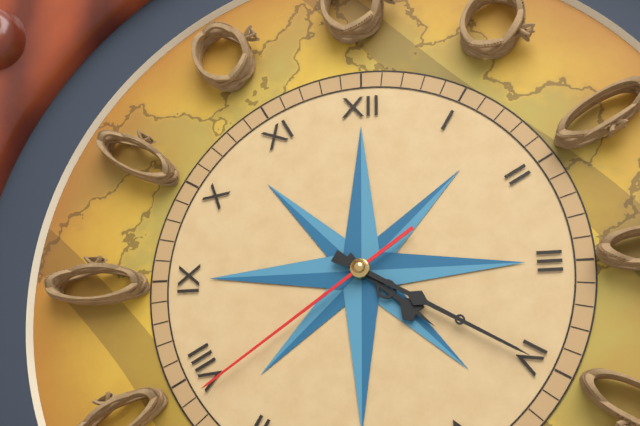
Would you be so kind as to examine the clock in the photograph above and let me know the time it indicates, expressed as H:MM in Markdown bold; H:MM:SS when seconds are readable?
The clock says **4:20:39**
